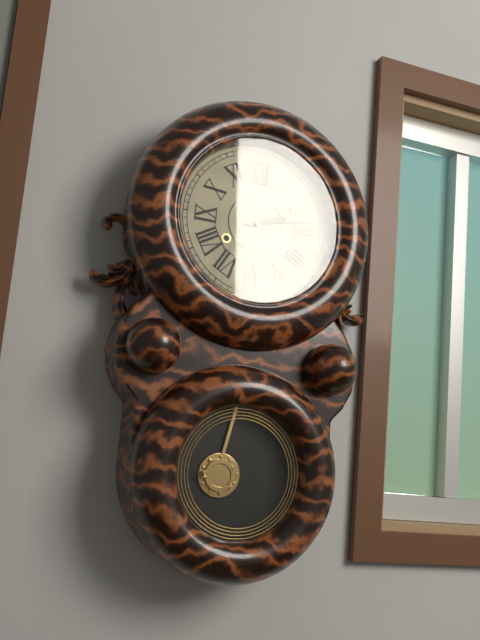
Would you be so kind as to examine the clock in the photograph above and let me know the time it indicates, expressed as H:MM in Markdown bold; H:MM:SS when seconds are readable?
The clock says **2:13**
